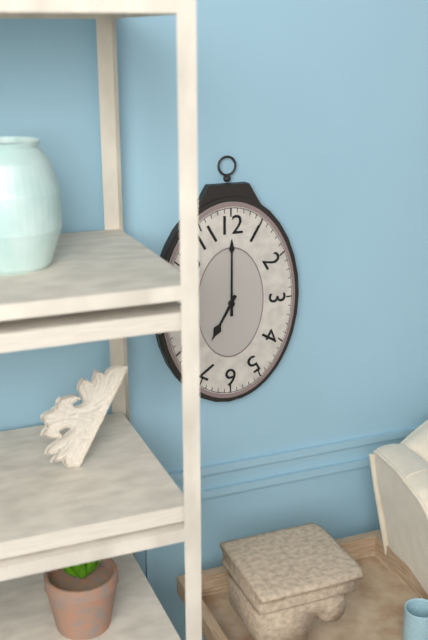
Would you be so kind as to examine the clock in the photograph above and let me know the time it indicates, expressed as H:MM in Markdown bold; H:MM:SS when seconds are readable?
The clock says **7:00**
